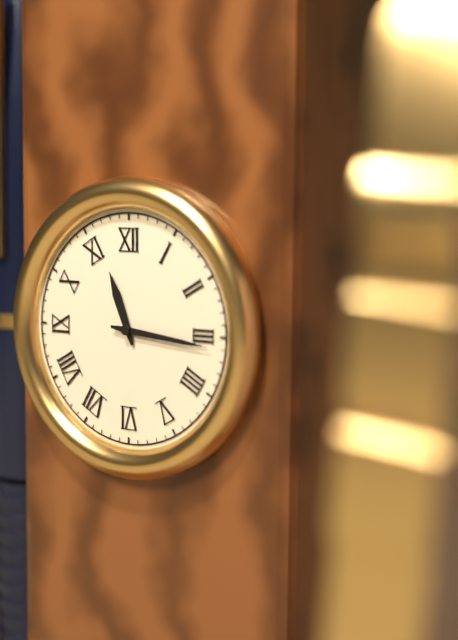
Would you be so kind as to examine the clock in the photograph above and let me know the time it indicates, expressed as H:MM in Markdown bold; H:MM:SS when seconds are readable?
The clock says **11:16**
